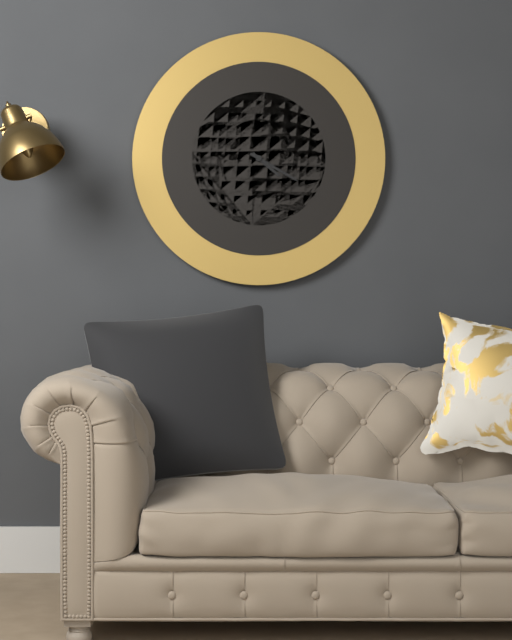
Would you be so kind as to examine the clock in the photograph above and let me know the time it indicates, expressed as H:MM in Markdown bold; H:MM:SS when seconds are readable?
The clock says **4:20**
